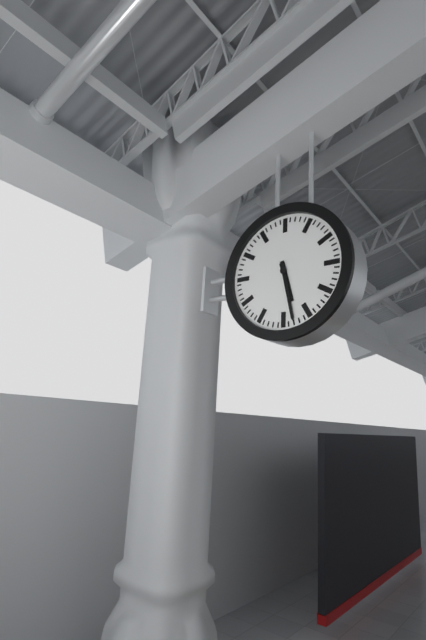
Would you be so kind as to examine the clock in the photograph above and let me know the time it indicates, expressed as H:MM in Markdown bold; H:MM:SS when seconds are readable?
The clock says **5:28**
